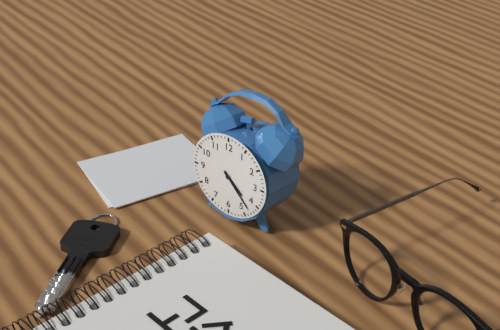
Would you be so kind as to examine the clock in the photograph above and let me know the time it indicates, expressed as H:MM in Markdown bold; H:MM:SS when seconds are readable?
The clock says **4:23**
